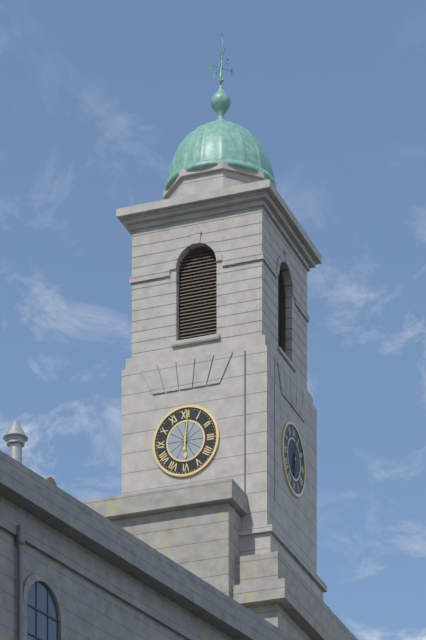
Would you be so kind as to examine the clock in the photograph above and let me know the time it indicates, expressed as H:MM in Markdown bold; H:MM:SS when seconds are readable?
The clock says **6:01**
